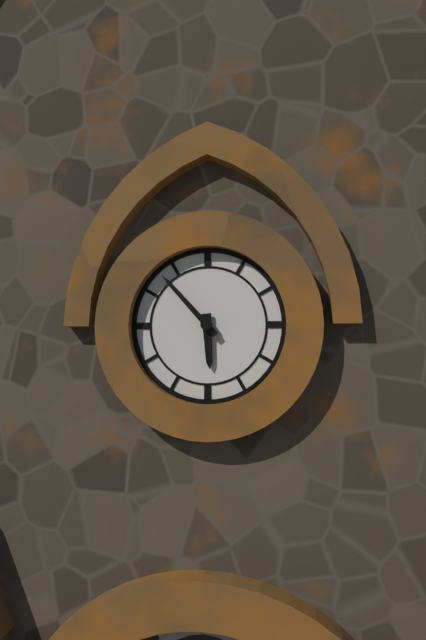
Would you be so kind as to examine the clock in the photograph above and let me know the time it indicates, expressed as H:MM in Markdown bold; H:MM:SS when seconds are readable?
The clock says **5:53**
